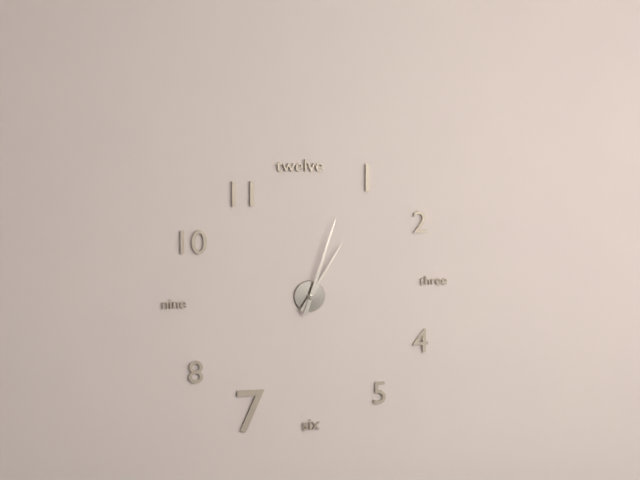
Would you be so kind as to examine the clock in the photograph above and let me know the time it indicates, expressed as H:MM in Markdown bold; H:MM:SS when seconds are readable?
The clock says **1:03**
